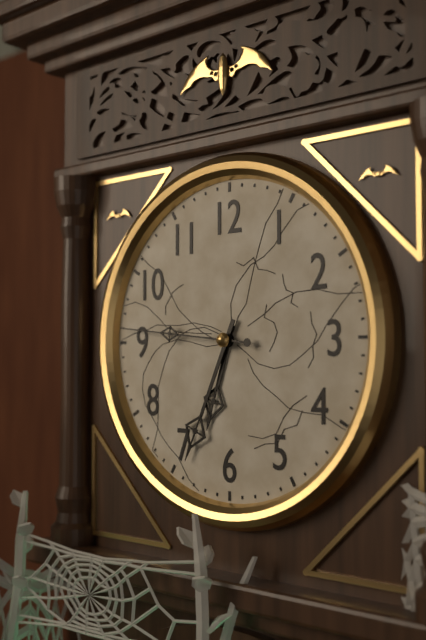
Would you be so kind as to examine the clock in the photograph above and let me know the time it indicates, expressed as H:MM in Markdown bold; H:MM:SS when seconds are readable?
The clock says **6:34:46**
